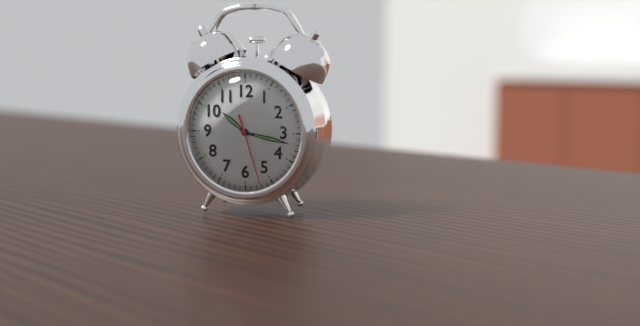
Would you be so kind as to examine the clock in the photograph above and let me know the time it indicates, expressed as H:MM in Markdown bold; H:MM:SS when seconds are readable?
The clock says **10:17:27**
